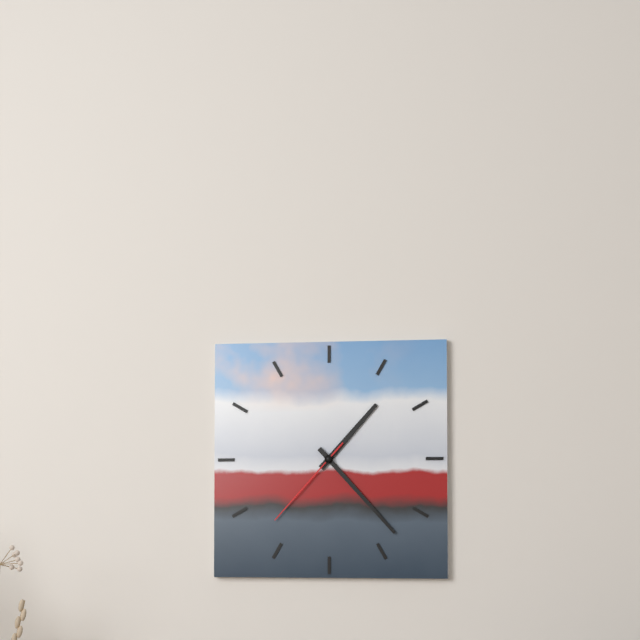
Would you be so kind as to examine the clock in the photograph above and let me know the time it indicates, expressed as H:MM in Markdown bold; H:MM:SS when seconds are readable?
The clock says **1:23:37**
